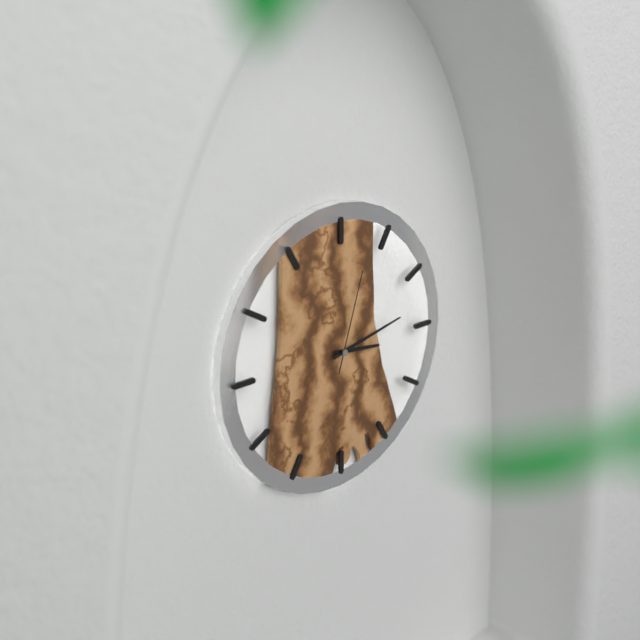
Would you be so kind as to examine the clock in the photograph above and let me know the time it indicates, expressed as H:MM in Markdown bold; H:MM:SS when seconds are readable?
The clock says **3:13:03**
